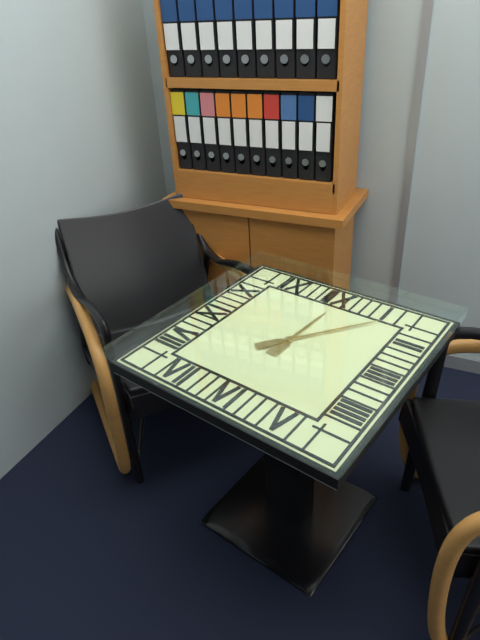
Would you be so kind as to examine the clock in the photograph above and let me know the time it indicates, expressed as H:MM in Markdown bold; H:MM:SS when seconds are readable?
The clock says **12:06**
